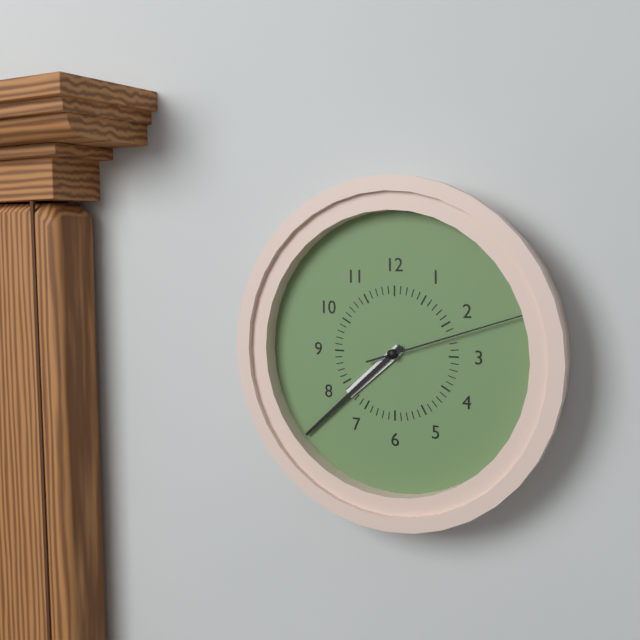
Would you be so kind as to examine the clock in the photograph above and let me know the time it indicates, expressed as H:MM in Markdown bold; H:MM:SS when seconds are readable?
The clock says **7:38:12**
